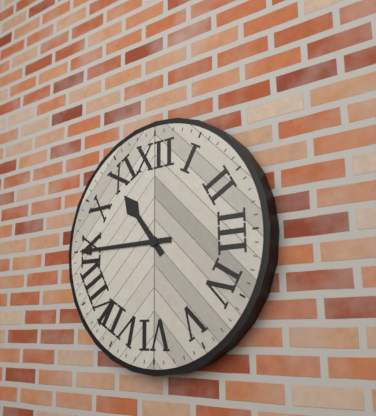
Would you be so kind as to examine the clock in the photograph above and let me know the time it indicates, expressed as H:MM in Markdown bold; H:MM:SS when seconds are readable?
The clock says **10:45**
